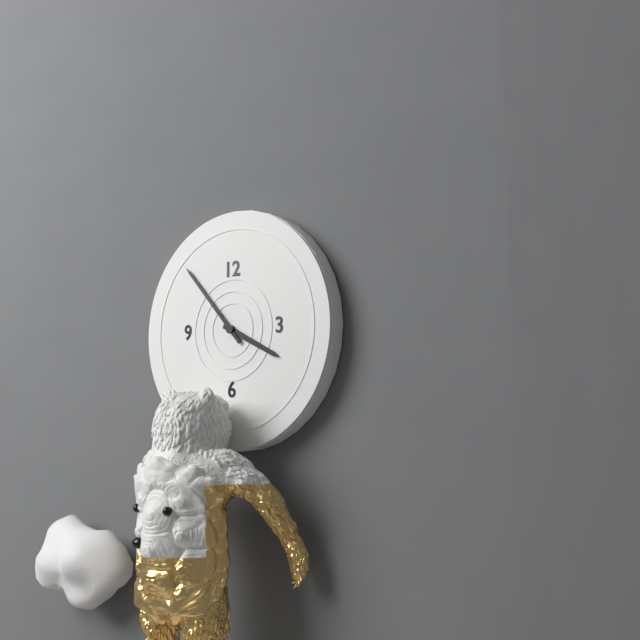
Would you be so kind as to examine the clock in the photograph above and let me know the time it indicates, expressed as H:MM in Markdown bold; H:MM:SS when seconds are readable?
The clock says **3:53**
